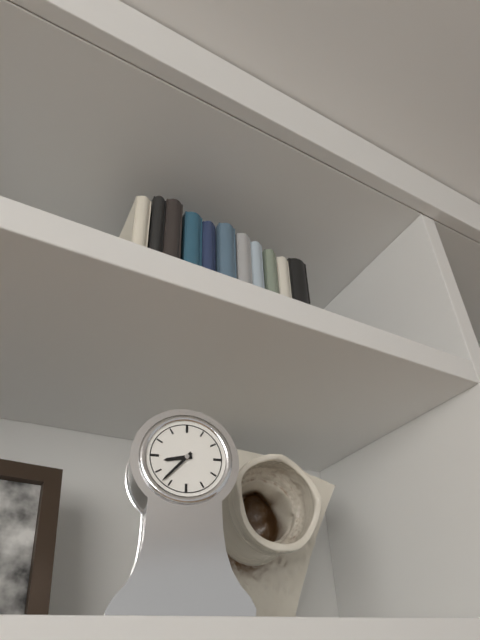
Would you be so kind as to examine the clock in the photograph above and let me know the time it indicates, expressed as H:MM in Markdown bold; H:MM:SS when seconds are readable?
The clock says **8:37**
